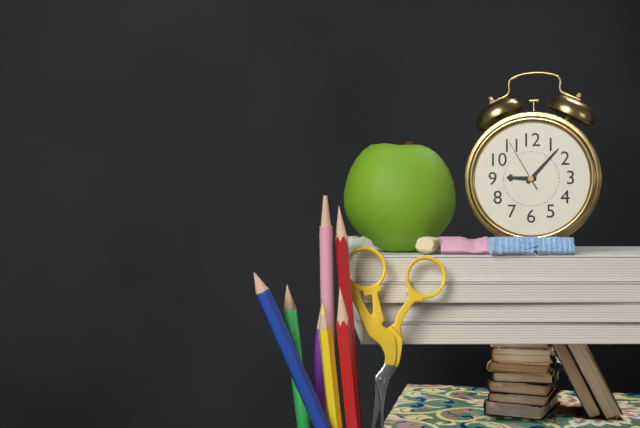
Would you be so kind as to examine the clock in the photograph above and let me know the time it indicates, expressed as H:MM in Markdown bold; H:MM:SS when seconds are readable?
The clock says **9:07:55**
